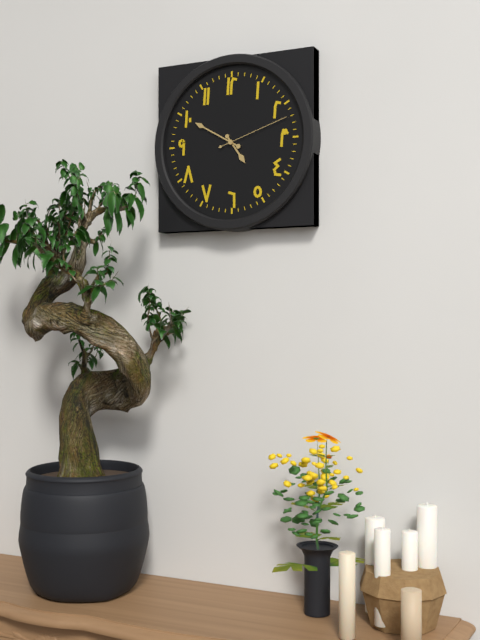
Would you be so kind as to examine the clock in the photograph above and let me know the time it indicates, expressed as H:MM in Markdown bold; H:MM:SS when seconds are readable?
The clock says **4:50:12**
